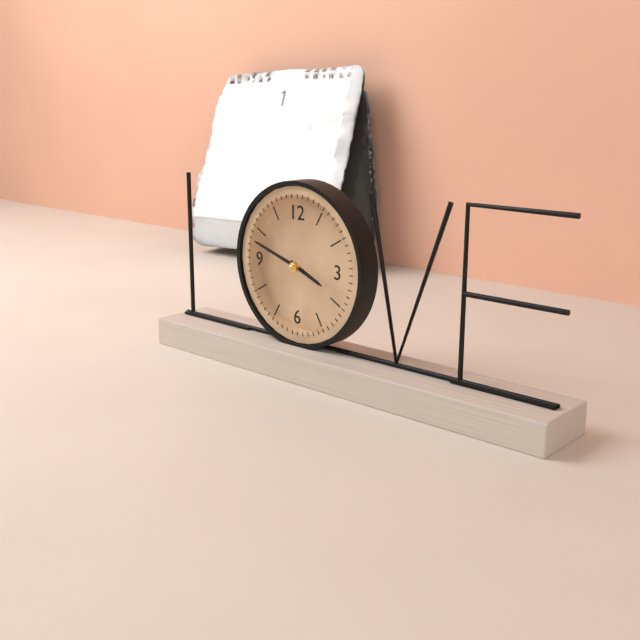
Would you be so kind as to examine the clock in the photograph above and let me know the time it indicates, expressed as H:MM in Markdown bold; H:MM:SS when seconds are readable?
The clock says **3:48**
